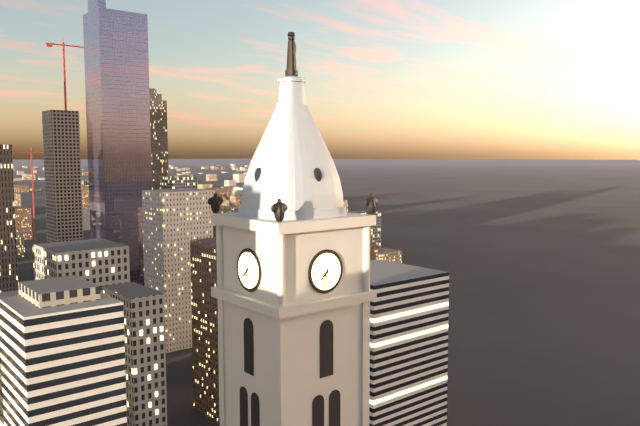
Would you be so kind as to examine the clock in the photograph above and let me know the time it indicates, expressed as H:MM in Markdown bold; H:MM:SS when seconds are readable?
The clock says **7:33**
